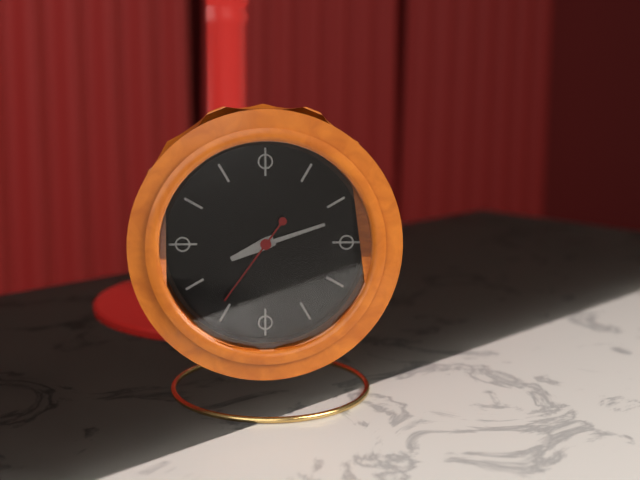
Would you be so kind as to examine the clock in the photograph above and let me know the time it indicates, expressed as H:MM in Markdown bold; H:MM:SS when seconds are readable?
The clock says **8:12:36**
